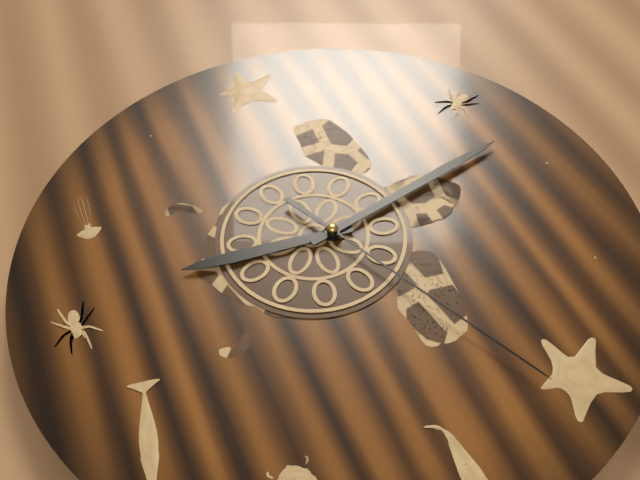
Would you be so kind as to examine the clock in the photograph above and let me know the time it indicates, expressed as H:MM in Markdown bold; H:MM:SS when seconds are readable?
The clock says **9:13:26**
